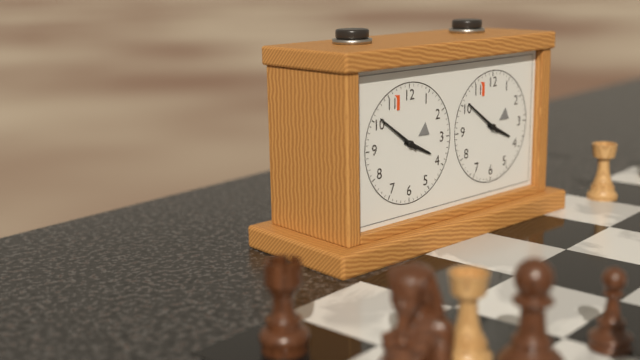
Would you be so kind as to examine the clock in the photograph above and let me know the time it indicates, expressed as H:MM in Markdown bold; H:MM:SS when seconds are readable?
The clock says **3:51**
